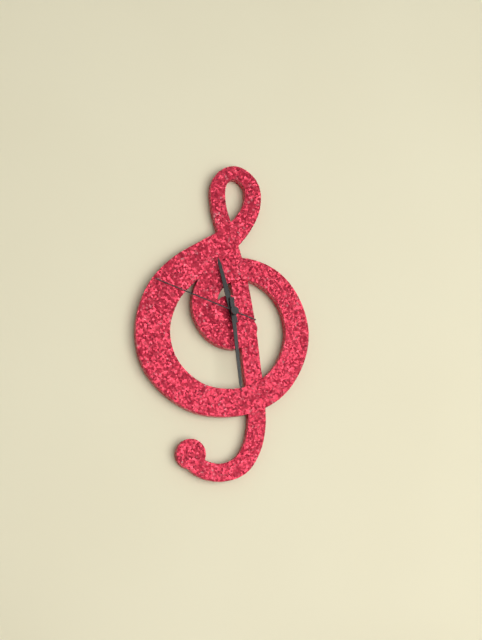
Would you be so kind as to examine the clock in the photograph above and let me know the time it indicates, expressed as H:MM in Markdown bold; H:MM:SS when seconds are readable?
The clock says **11:29:48**
